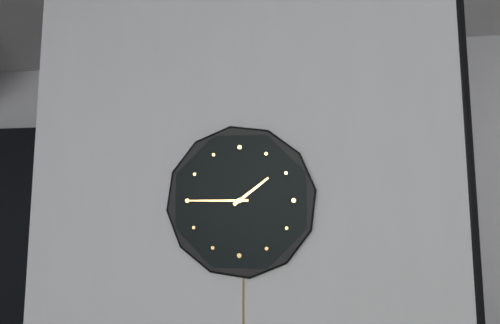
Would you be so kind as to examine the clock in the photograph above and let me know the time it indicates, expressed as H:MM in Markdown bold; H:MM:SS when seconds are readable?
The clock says **1:45**
